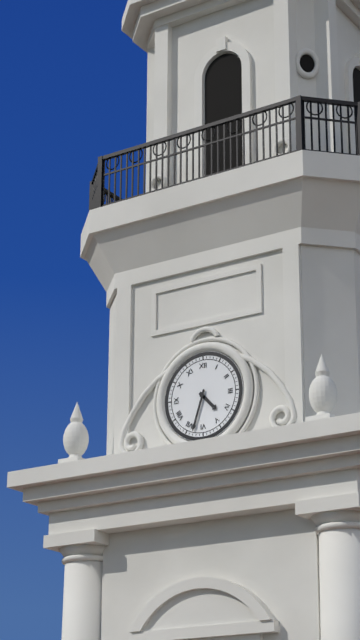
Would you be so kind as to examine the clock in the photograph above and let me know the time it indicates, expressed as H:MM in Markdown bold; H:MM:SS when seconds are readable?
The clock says **4:33**
